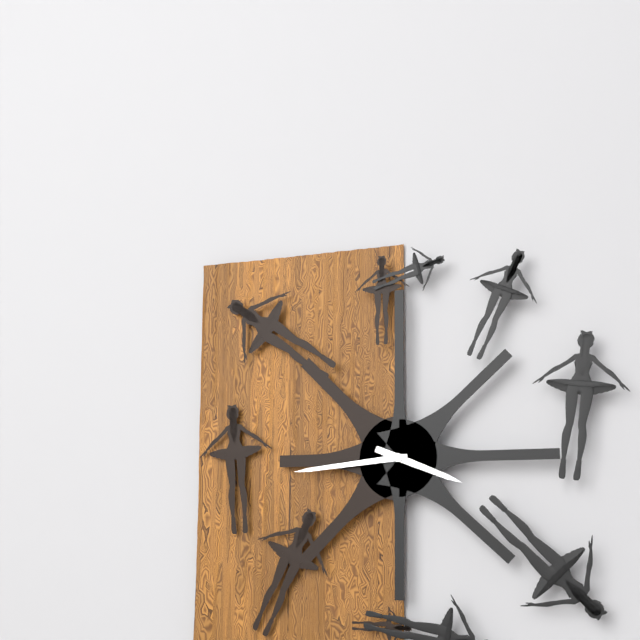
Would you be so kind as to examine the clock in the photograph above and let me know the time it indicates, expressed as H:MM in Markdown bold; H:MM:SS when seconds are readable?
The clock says **3:44**
